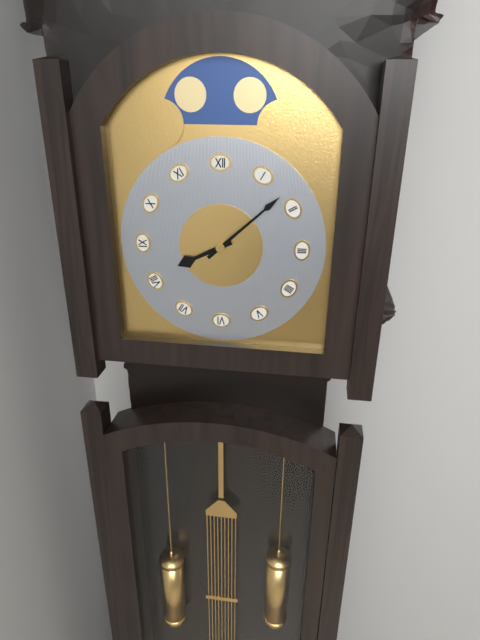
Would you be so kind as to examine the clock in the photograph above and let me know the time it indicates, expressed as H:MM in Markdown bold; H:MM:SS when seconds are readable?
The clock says **8:08**
